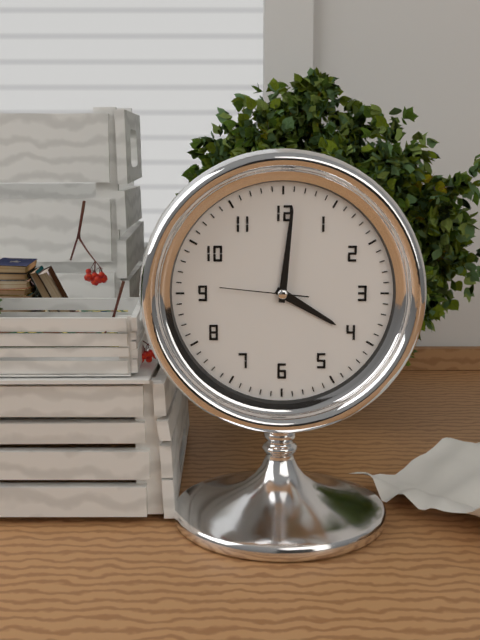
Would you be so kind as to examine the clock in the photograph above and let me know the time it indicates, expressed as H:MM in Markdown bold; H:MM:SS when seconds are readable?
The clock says **4:01:46**
